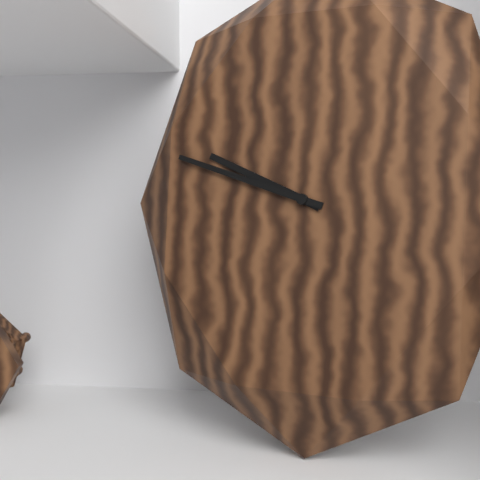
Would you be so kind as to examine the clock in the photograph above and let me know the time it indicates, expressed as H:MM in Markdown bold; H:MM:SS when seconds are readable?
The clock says **9:48**
